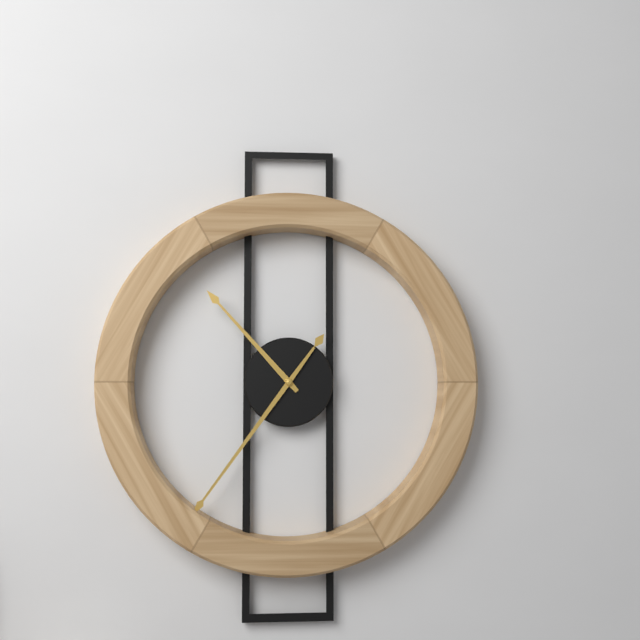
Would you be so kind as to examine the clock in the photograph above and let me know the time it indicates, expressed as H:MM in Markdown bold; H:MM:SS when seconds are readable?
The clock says **10:36**
